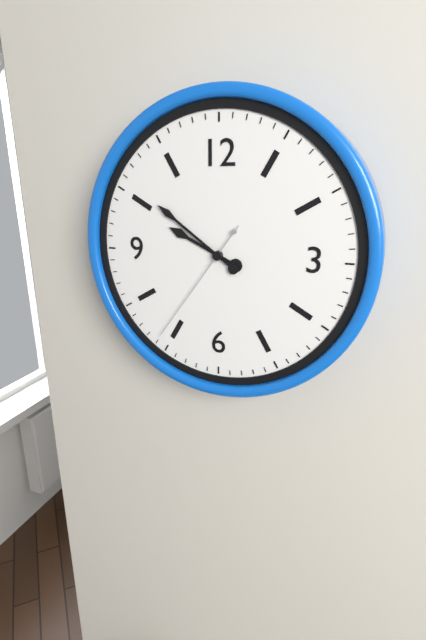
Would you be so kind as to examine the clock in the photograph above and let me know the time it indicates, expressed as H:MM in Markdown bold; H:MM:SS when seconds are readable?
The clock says **9:51:36**
